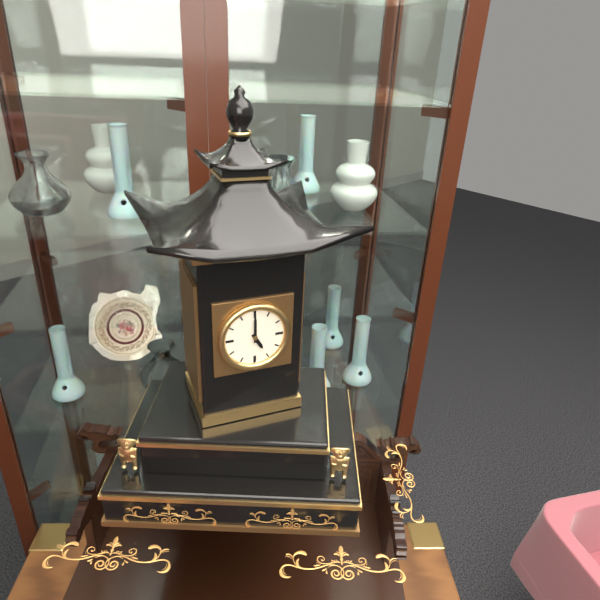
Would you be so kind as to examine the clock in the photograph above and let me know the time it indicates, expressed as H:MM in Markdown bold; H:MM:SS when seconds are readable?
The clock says **5:00**
